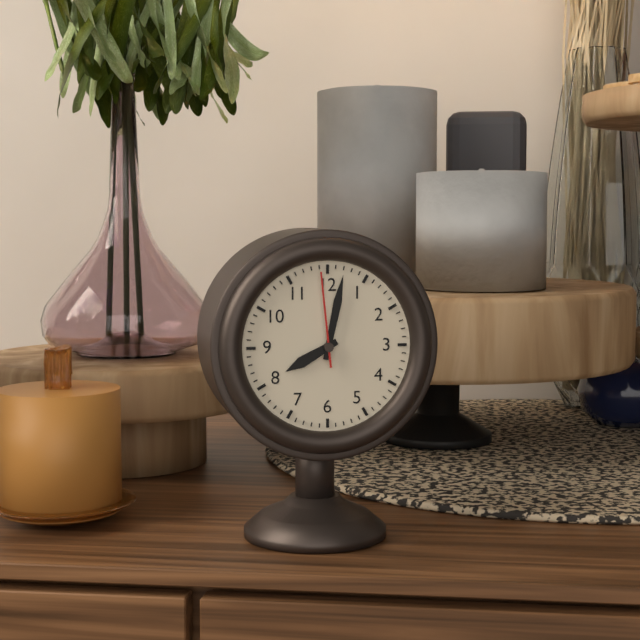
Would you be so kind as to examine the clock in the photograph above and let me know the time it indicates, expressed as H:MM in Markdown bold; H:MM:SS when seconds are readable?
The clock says **8:02:59**
